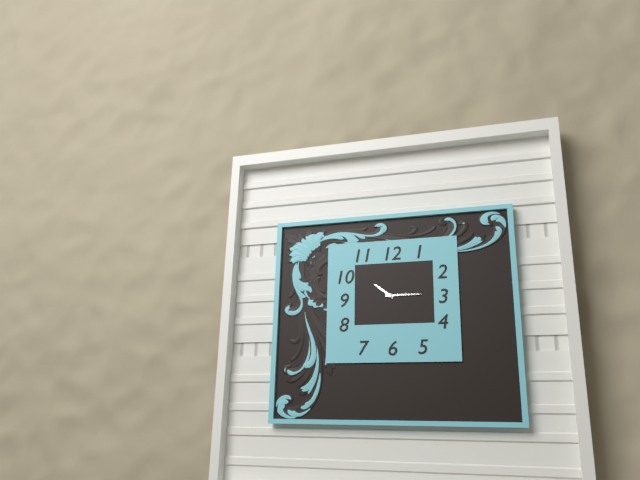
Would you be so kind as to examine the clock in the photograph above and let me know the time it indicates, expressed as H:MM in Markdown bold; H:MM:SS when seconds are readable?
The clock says **10:15**
